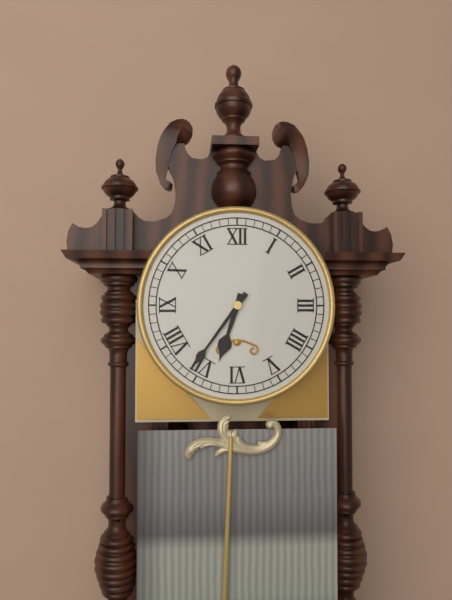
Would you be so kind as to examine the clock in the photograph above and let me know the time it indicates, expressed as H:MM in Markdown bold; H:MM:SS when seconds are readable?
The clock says **6:36**
